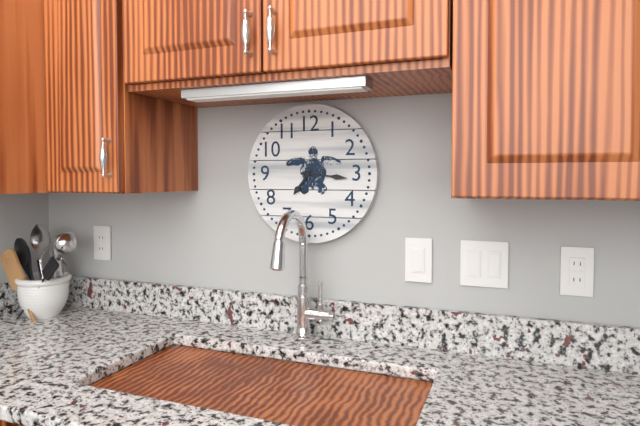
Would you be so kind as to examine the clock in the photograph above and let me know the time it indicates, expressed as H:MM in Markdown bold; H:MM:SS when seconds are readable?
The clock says **7:16**
